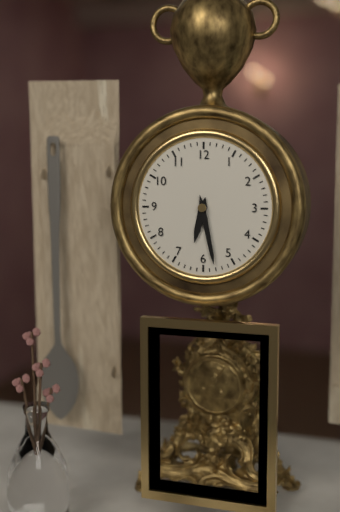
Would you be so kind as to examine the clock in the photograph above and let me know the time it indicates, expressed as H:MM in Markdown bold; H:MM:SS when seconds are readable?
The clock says **6:28**
